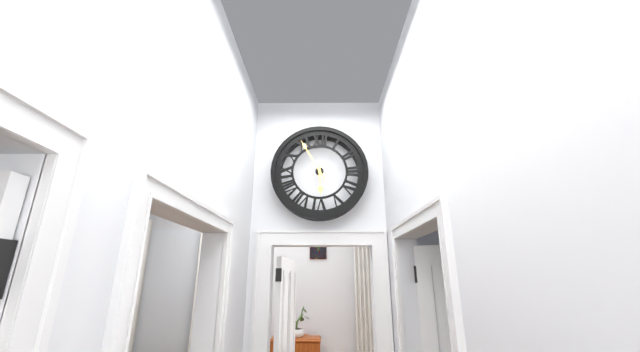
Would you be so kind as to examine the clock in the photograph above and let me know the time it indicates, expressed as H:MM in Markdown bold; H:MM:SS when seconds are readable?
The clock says **5:55**
